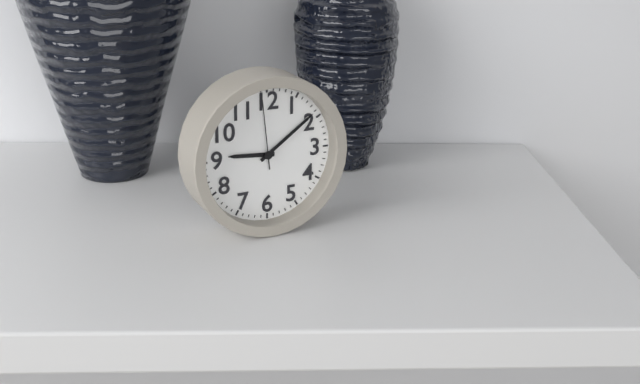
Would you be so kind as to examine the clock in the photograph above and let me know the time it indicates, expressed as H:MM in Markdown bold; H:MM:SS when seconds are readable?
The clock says **9:09:59**
